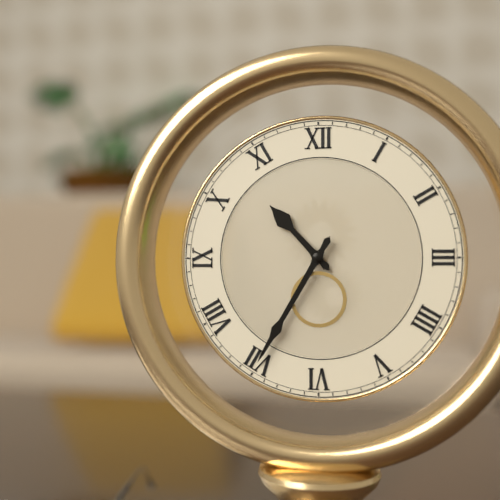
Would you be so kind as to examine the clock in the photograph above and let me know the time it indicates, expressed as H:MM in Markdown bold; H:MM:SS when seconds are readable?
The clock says **10:35**
